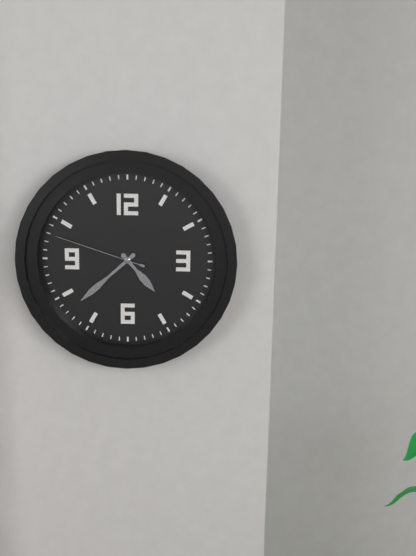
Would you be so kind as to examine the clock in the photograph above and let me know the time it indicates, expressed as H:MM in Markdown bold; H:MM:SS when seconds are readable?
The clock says **4:38:48**
